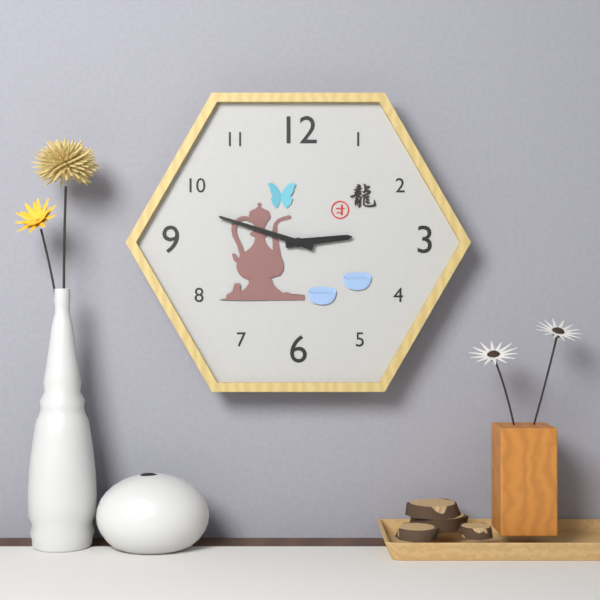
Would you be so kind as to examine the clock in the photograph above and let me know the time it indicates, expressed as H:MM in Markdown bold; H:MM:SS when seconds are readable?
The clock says **2:48**
